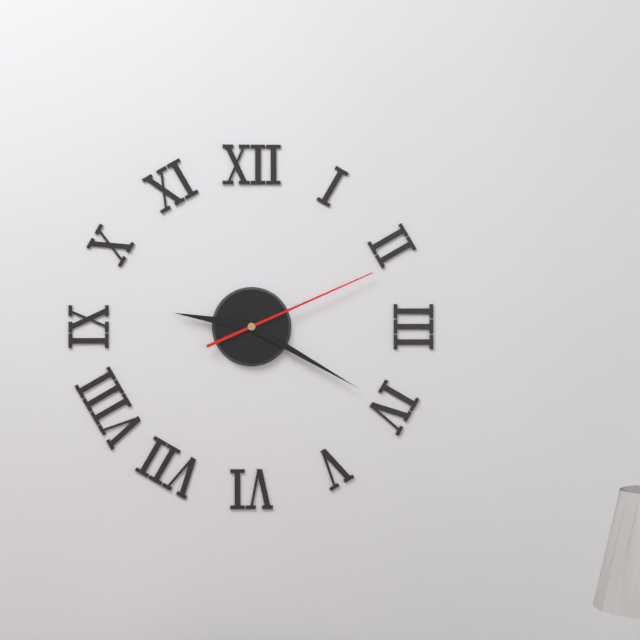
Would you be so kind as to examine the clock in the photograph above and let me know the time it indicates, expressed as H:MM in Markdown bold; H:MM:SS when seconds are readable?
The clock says **9:20:11**
